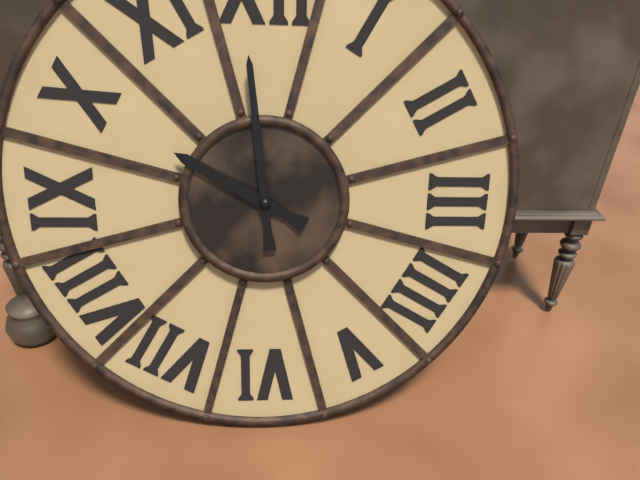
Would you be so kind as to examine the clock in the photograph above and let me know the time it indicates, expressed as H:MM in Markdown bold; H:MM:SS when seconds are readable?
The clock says **9:59**
